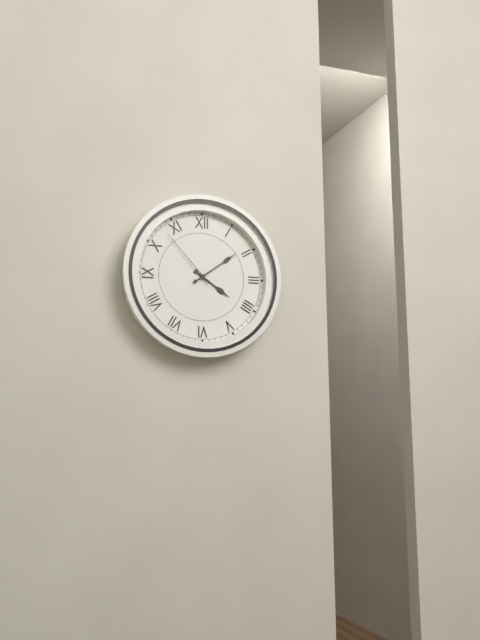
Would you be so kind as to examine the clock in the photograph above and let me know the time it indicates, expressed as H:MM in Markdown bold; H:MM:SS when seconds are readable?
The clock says **4:09:53**
